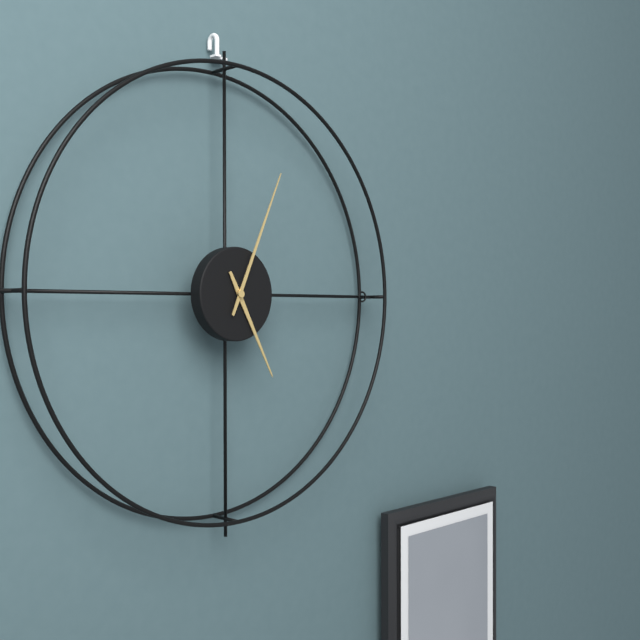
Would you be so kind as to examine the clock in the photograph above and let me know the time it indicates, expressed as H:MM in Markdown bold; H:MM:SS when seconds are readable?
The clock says **5:04**
